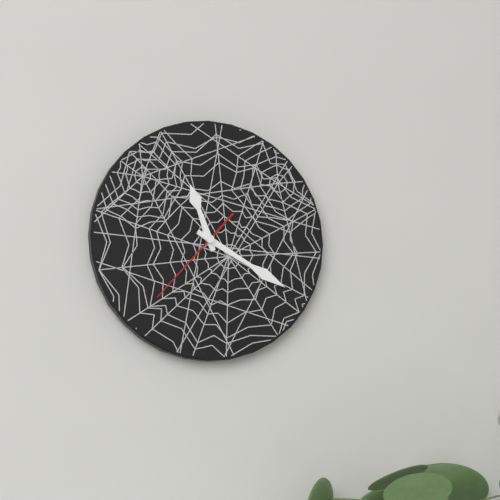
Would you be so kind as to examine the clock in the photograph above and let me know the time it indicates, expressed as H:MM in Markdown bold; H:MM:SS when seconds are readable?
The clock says **11:20:37**
